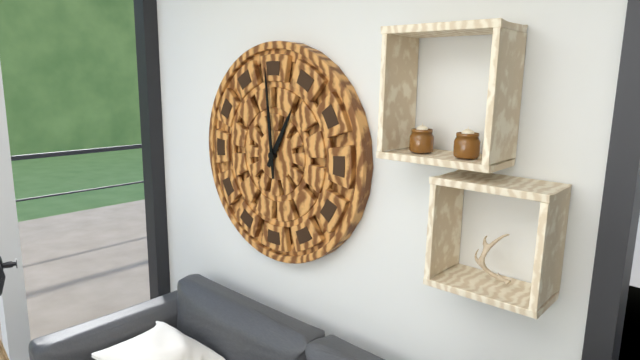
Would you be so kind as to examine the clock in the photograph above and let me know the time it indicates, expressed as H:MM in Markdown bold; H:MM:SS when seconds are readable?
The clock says **12:59**
